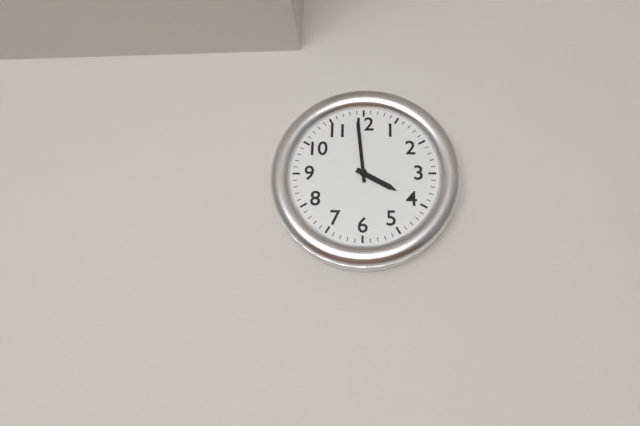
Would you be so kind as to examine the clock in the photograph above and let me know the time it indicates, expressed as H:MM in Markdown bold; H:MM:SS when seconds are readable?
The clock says **3:59**
